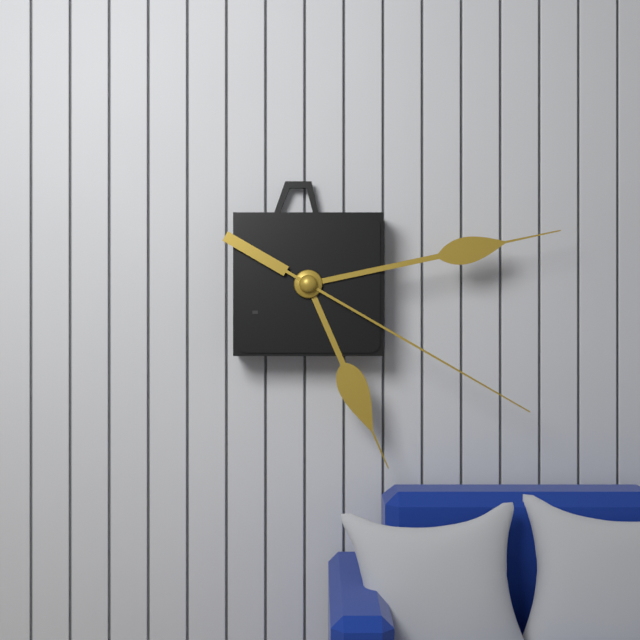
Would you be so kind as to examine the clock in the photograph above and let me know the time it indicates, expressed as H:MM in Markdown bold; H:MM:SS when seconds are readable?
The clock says **5:13:20**
